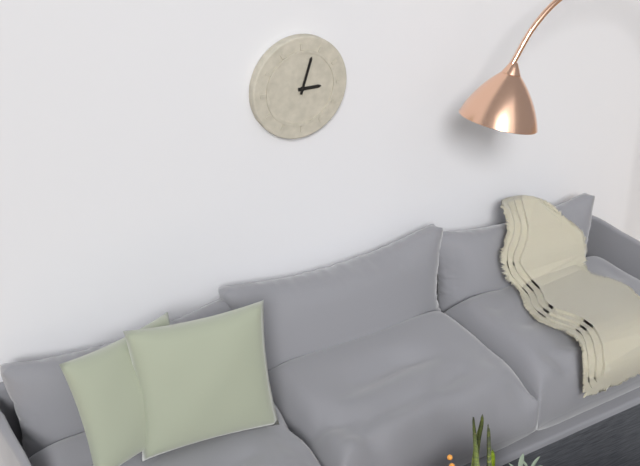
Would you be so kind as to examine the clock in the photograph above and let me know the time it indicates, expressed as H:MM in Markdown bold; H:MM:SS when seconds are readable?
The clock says **3:03**
